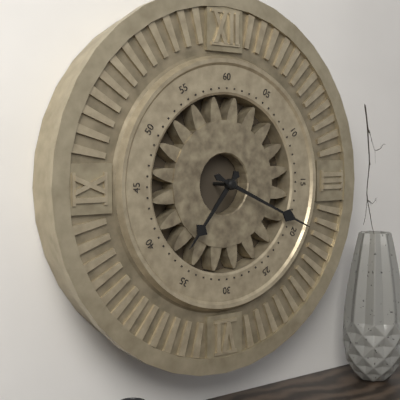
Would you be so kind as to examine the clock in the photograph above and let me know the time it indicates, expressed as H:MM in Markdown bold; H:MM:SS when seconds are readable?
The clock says **7:19**
